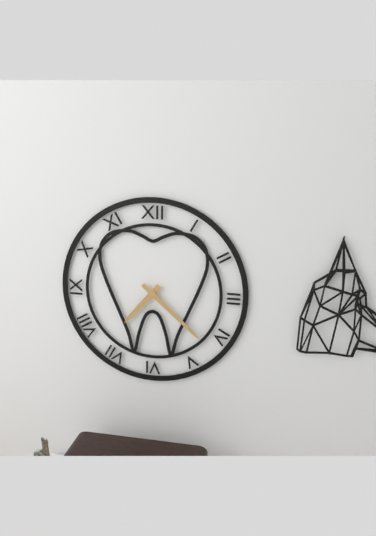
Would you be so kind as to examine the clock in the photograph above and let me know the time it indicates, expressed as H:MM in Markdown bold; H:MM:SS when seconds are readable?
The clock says **7:22**
